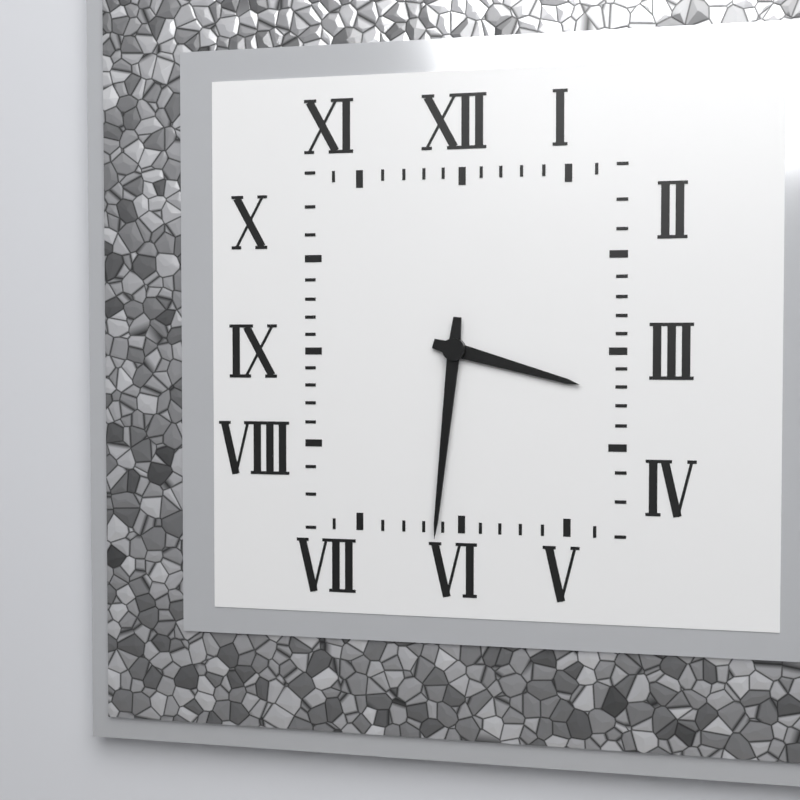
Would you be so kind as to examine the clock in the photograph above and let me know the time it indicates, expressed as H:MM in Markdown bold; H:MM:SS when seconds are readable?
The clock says **3:31**
